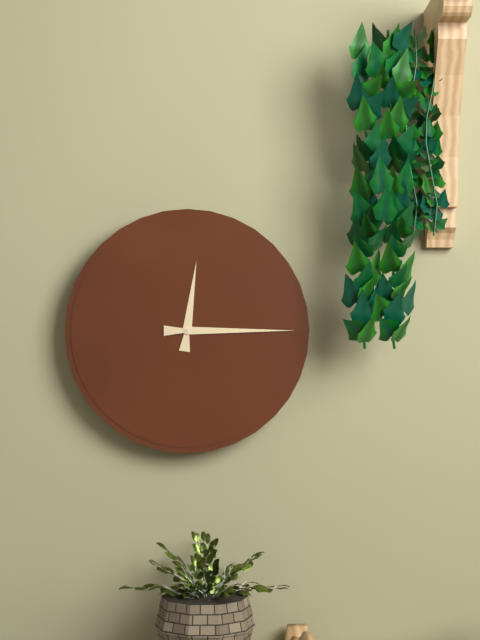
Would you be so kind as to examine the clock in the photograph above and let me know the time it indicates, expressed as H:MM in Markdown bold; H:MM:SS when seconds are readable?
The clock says **12:15**
